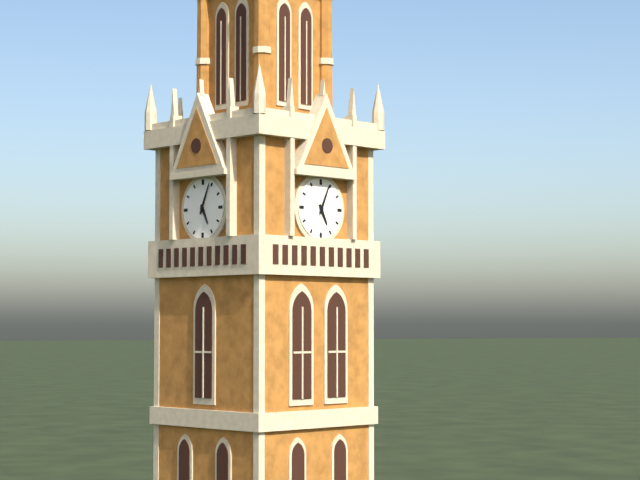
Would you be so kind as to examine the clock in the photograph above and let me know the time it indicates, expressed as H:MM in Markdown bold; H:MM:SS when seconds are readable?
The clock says **5:04**
